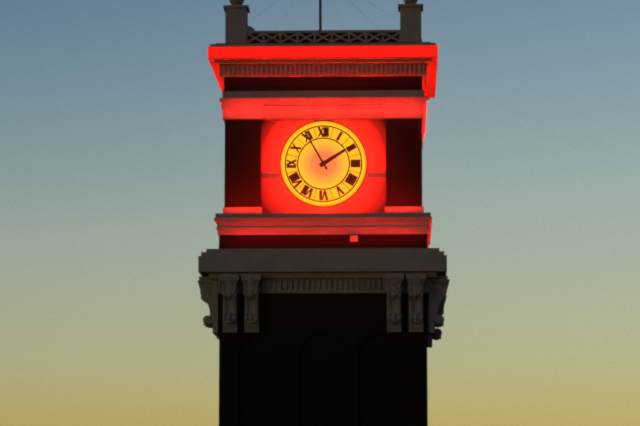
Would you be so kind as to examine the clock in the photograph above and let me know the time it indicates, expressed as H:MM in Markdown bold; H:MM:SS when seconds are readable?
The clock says **1:55**
